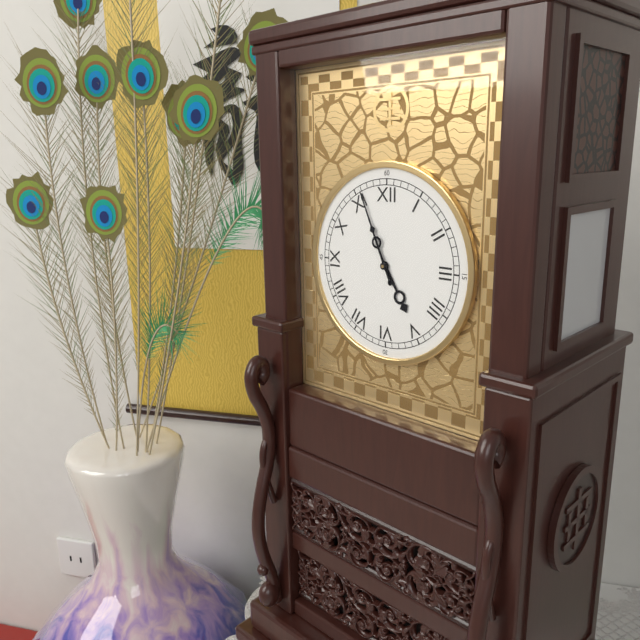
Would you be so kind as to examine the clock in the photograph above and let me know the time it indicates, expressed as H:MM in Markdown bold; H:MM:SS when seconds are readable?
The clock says **4:56**
